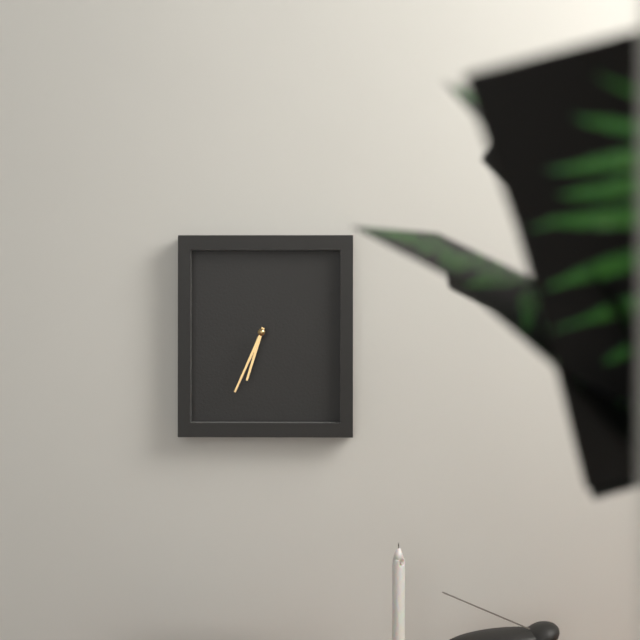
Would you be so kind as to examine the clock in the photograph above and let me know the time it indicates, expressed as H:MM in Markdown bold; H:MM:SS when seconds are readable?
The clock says **6:34**
